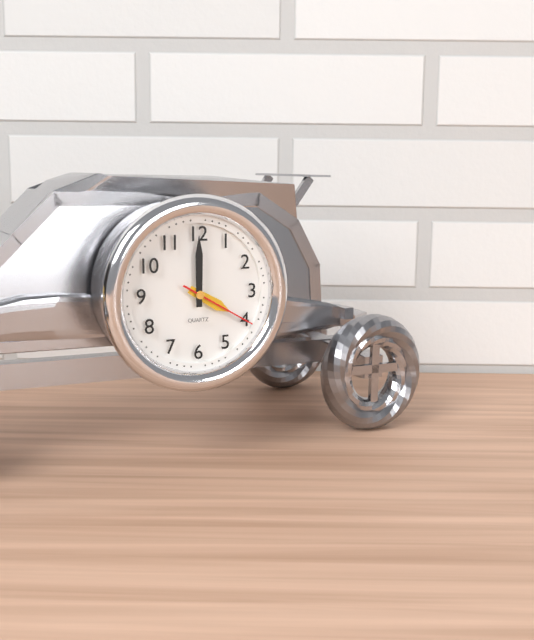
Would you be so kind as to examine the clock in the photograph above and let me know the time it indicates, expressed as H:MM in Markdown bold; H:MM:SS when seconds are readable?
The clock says **4:00:20**
